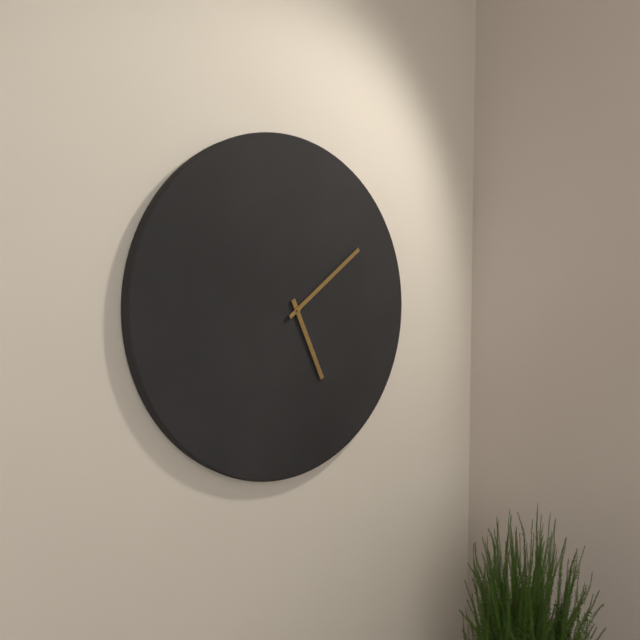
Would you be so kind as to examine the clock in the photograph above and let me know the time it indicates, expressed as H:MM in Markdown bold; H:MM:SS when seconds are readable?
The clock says **5:09**
